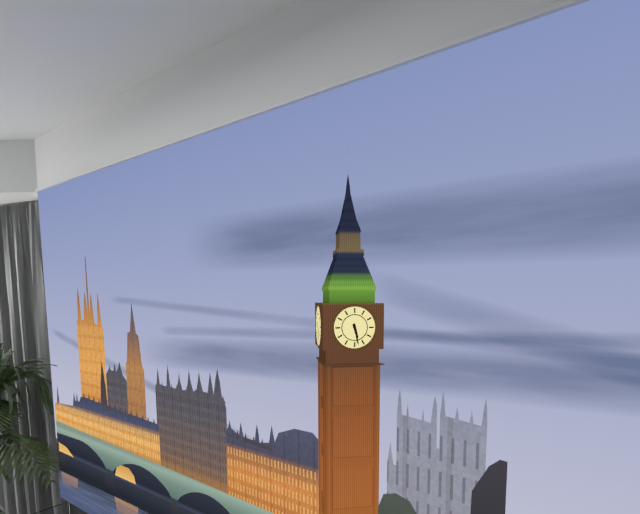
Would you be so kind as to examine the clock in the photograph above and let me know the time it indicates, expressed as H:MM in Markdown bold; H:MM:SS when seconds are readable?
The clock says **5:28**
